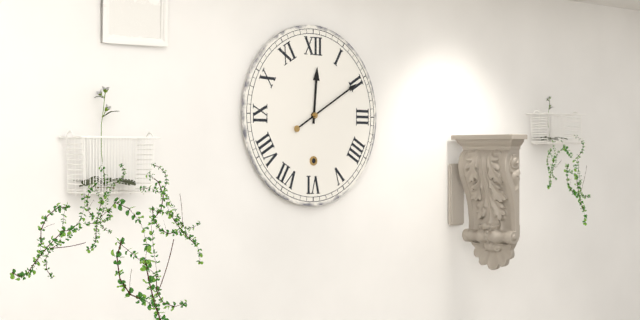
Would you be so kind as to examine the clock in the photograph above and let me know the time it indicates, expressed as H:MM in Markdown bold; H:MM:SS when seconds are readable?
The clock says **12:10**
